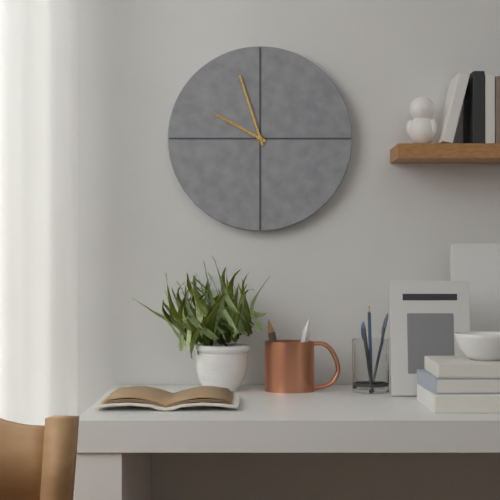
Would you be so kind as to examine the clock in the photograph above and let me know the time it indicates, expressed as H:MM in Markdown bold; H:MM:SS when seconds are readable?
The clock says **9:57**
